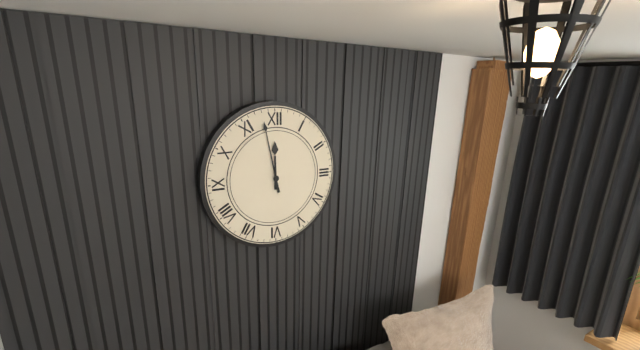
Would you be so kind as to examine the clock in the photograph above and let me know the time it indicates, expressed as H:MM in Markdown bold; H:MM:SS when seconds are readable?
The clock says **11:58**
